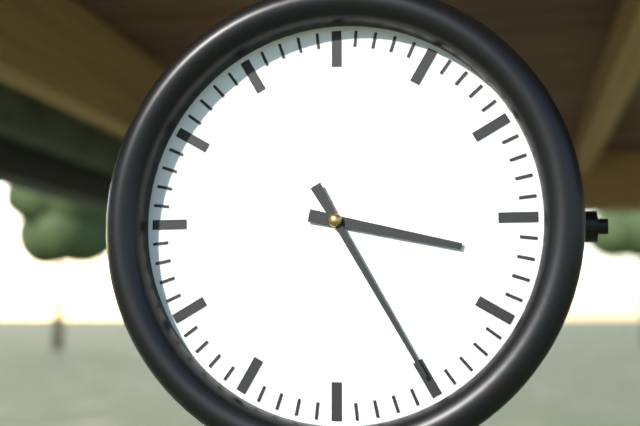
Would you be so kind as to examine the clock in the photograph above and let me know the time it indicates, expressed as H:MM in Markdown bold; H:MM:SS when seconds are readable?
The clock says **3:25**
